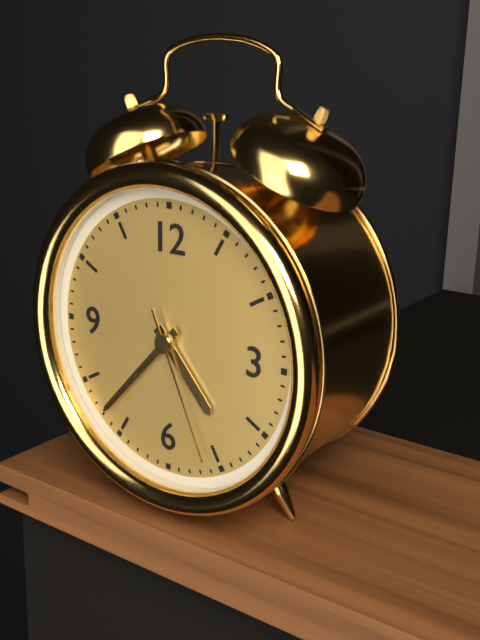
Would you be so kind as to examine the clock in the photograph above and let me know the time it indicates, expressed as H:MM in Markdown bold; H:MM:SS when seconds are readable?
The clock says **4:37:26**
